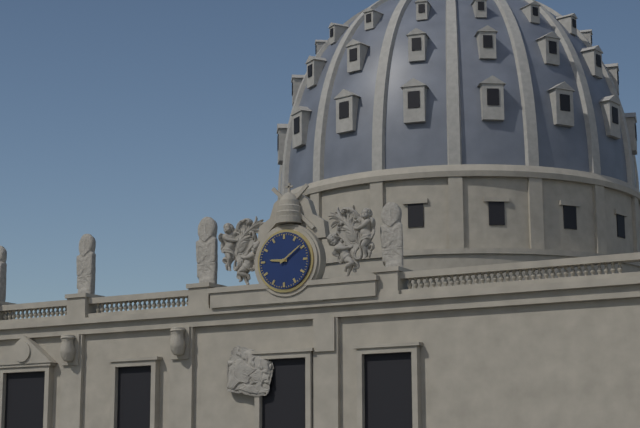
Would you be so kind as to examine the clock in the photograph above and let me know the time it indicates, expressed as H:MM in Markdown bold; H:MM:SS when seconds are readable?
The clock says **9:09**
